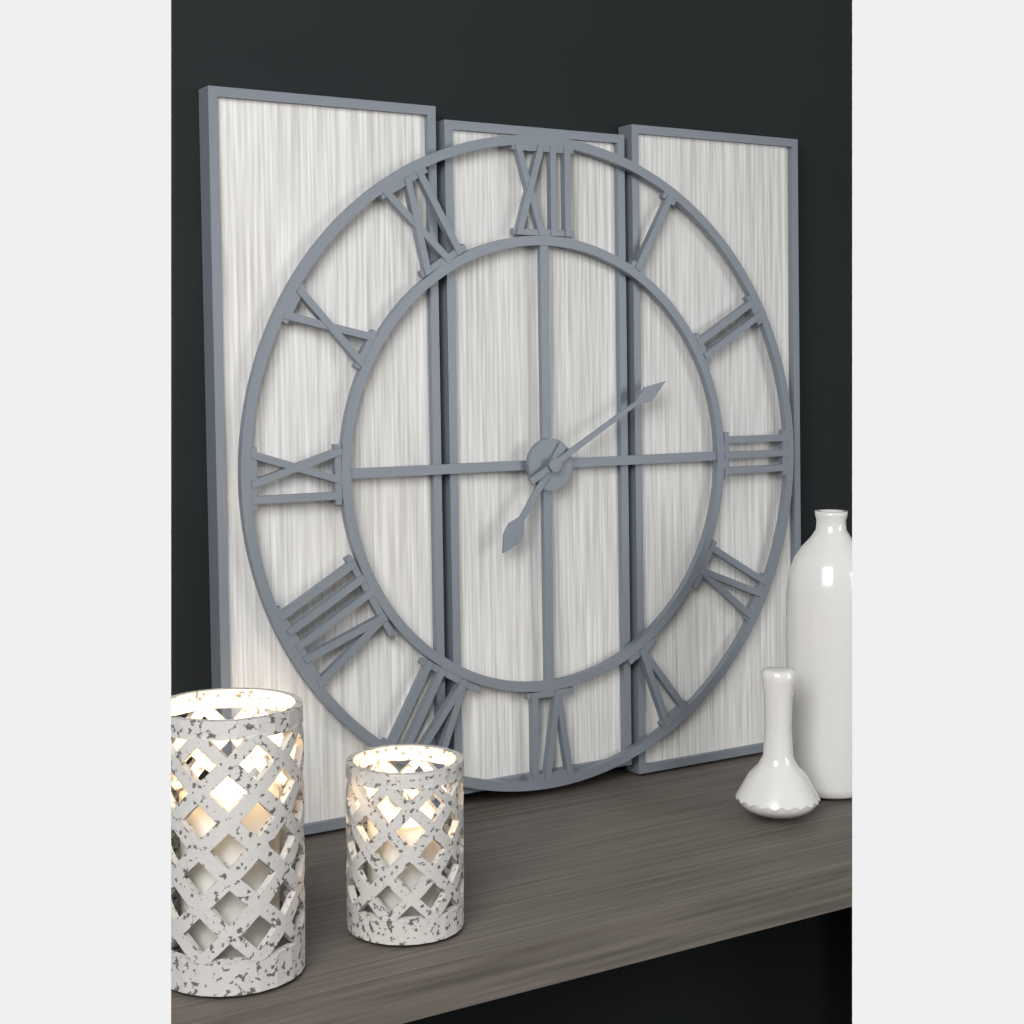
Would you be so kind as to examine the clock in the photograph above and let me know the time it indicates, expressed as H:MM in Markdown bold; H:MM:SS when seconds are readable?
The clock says **7:10**
